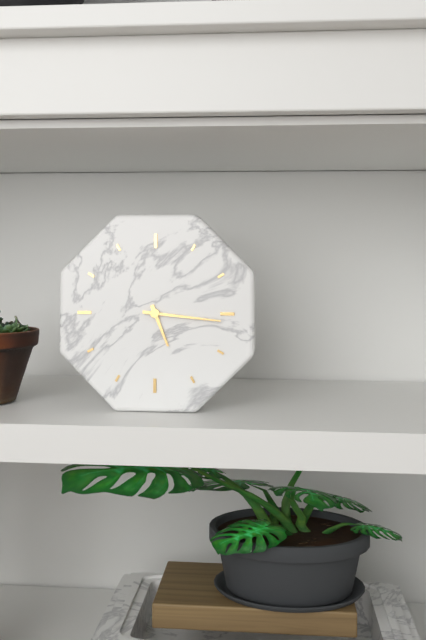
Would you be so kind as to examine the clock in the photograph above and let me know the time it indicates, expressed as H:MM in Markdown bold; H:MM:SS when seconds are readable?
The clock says **5:16**
